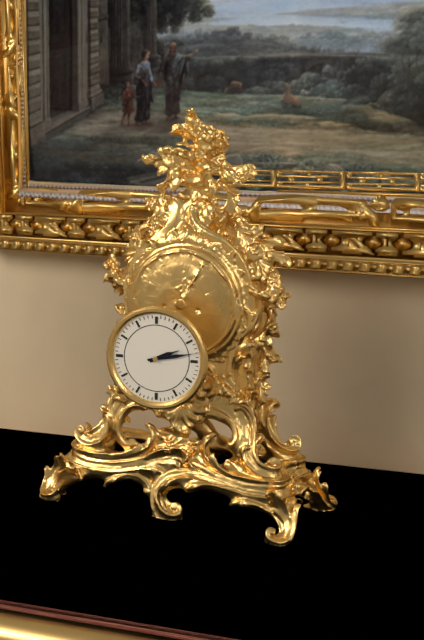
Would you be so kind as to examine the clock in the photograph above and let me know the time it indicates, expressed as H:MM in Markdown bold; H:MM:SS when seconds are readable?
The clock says **2:13**
